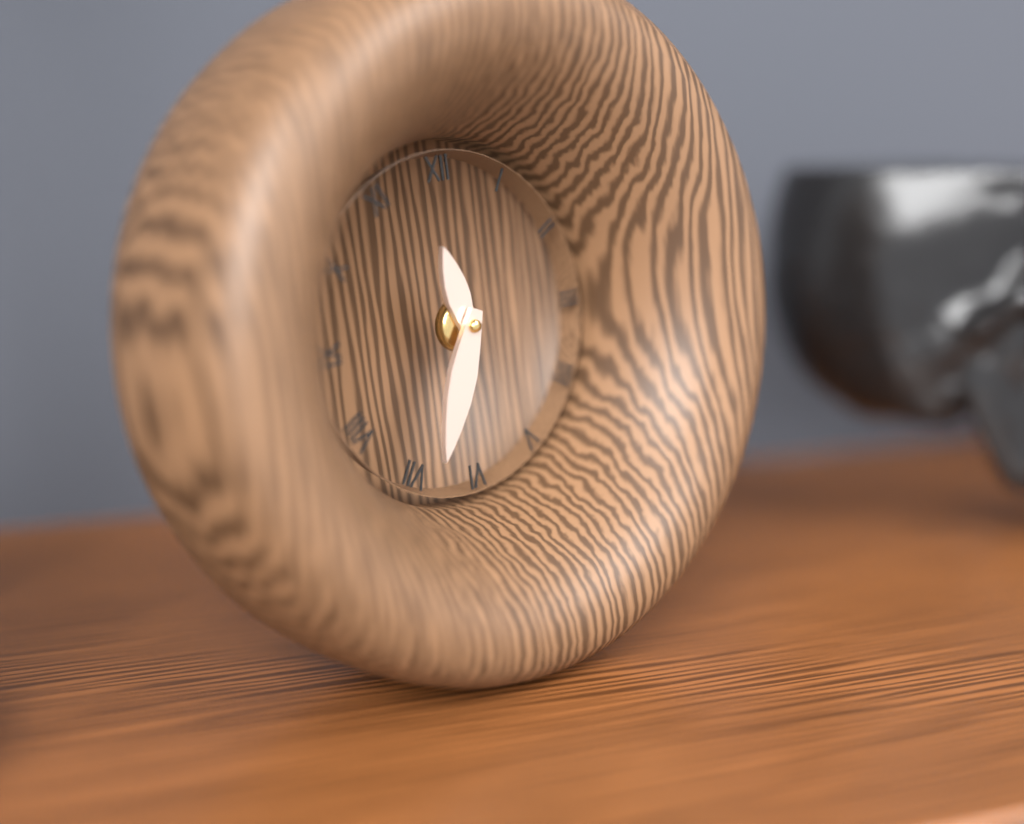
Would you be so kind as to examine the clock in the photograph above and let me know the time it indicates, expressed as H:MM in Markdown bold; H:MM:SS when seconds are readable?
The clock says **11:34**
